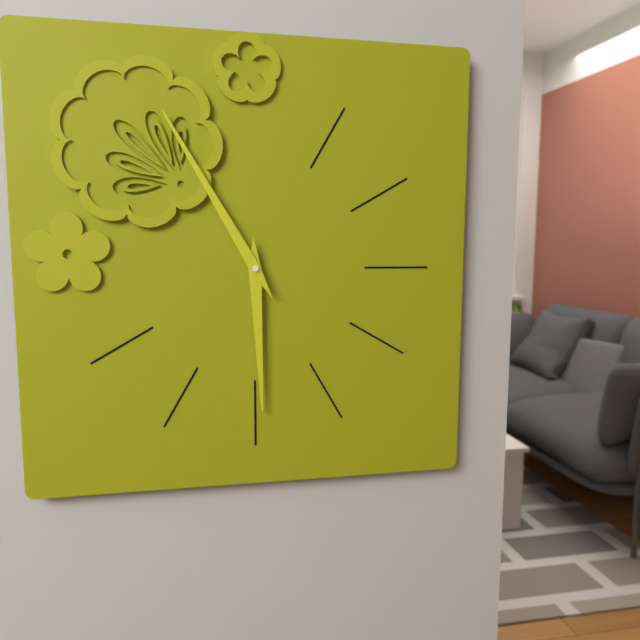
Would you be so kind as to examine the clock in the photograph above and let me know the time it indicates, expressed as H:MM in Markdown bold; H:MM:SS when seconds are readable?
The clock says **5:55**
